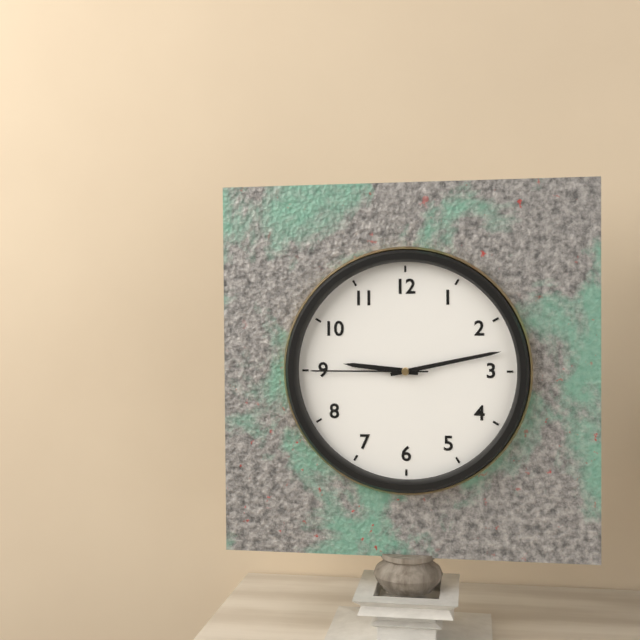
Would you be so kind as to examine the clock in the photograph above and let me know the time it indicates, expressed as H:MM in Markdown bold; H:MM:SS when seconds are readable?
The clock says **9:13:45**
